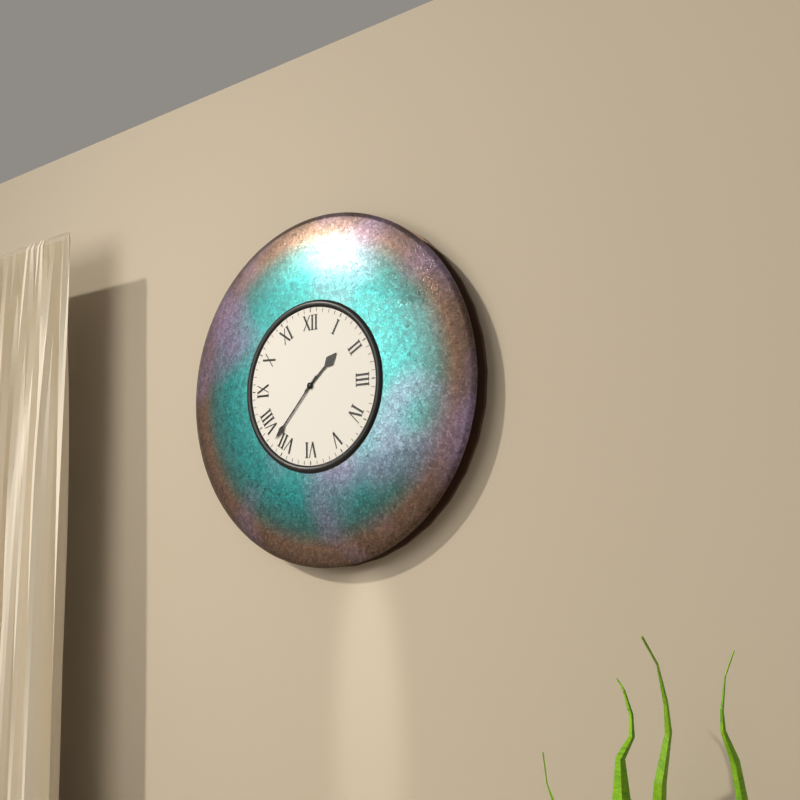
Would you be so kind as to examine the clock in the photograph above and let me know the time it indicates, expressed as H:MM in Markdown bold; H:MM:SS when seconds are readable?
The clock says **1:37**
